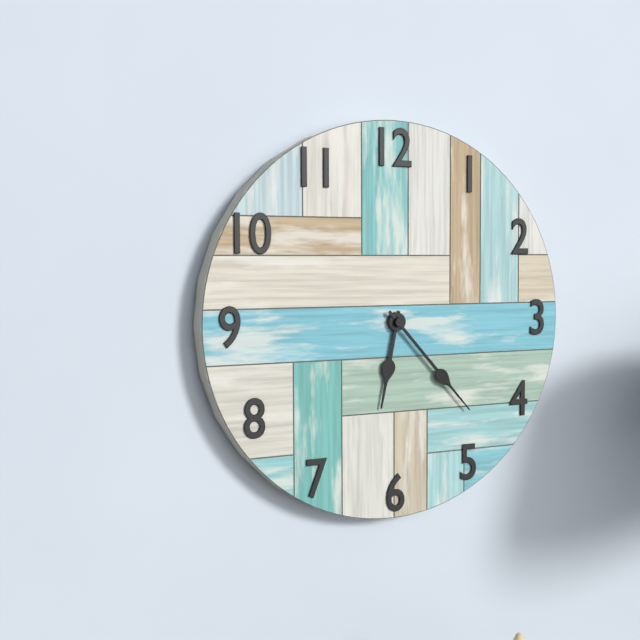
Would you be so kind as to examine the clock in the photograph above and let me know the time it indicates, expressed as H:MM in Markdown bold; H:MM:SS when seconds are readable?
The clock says **6:23**
